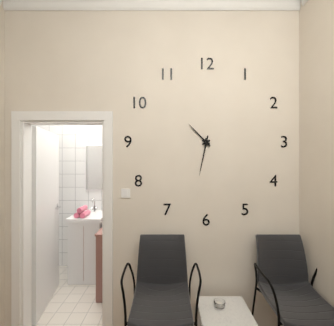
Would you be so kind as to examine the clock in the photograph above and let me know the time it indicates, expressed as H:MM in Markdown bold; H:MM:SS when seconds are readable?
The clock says **10:32**
